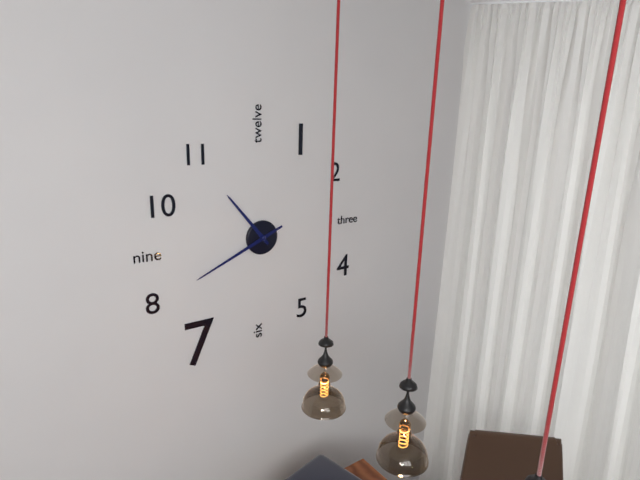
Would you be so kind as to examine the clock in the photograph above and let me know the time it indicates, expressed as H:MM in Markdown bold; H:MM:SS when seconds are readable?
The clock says **10:41**
